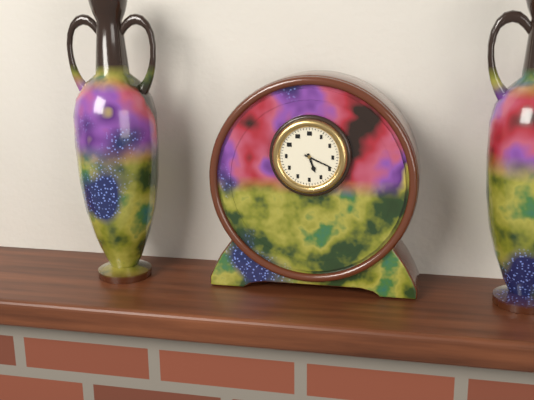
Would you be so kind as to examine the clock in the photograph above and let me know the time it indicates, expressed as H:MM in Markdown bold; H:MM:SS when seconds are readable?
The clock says **5:19**
